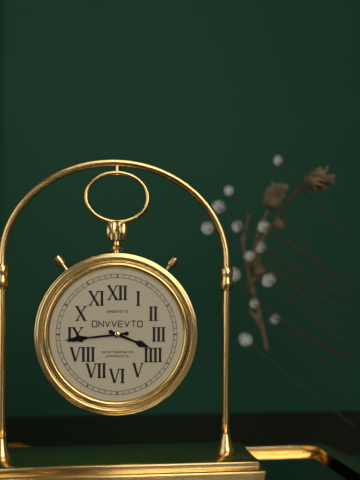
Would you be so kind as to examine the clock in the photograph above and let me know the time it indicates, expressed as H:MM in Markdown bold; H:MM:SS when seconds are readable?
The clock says **3:44**
